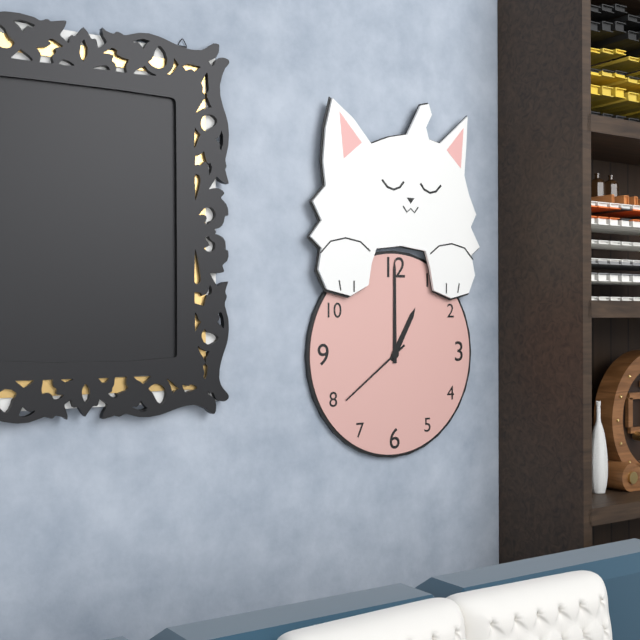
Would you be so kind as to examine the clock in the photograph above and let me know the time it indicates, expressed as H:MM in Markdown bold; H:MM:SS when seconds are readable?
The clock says **1:00:39**
